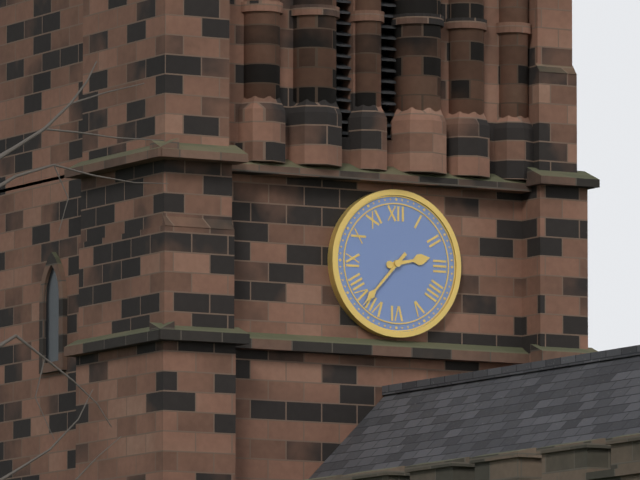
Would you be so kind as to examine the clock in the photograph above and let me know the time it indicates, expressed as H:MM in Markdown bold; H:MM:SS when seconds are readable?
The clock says **2:37**
